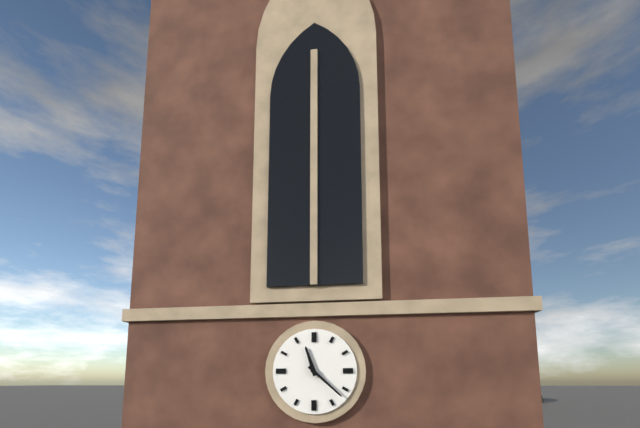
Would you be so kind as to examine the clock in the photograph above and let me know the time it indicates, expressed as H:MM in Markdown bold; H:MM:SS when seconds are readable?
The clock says **11:22**
